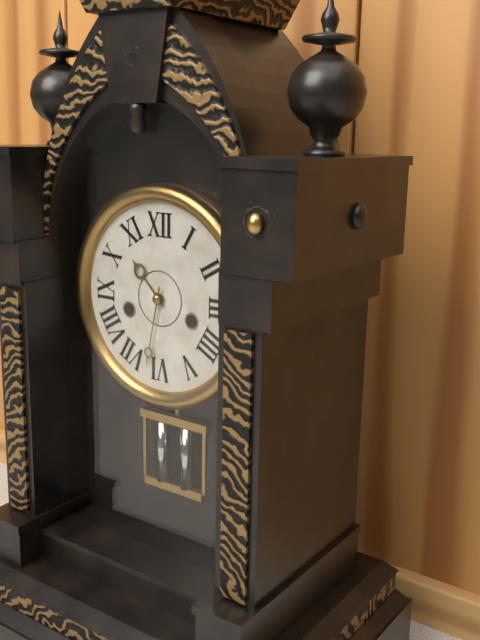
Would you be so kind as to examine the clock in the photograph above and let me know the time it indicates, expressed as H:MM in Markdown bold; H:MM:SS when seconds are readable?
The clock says **10:32**
